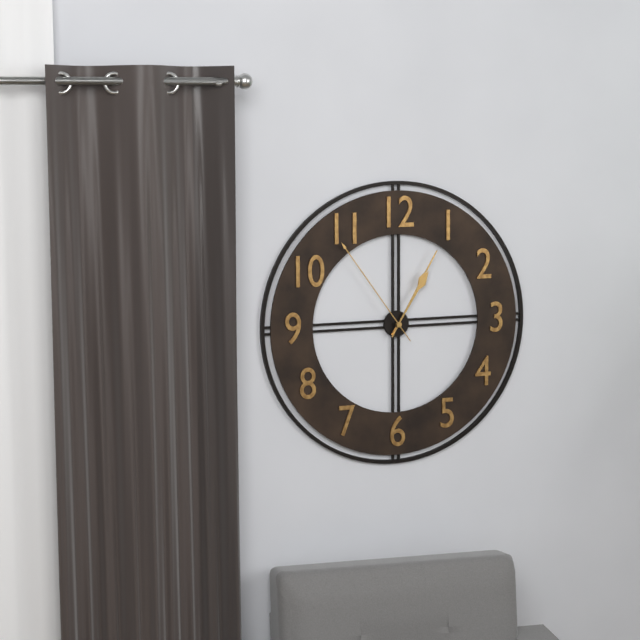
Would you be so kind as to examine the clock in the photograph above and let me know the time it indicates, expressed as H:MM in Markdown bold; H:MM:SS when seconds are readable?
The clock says **1:05:54**
